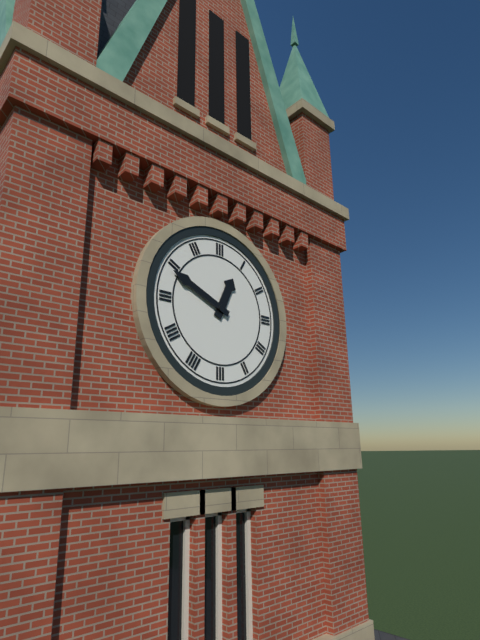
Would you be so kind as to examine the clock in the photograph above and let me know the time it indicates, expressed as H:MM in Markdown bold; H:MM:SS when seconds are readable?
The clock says **12:49**
